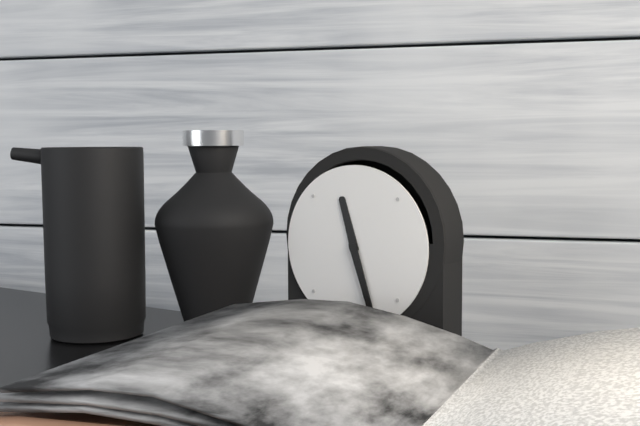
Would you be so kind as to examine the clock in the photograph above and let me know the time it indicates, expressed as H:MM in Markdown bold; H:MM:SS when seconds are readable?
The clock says **11:27**
